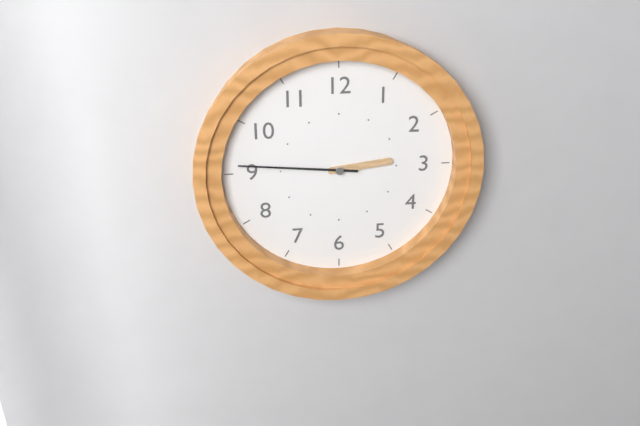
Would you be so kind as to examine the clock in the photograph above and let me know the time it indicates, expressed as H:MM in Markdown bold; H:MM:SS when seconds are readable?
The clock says **2:46**
